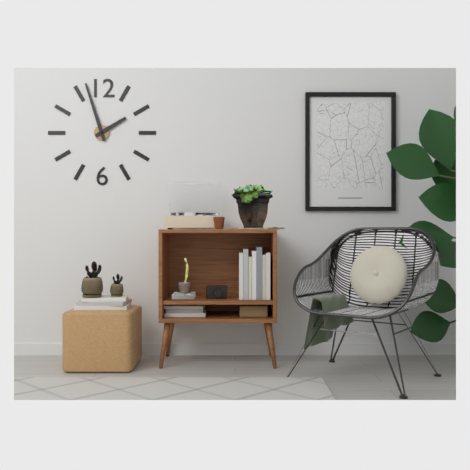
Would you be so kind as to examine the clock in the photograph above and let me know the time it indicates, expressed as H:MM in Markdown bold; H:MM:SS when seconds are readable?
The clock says **1:57**
